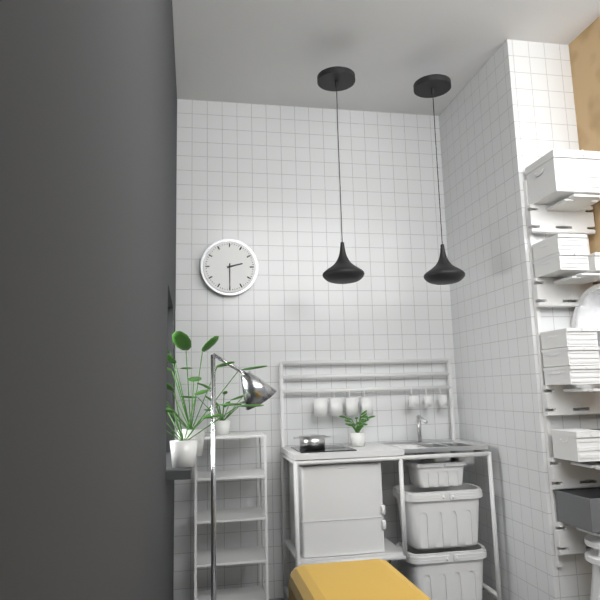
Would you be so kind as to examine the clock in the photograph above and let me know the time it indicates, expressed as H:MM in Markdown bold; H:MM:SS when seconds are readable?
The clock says **2:30**
